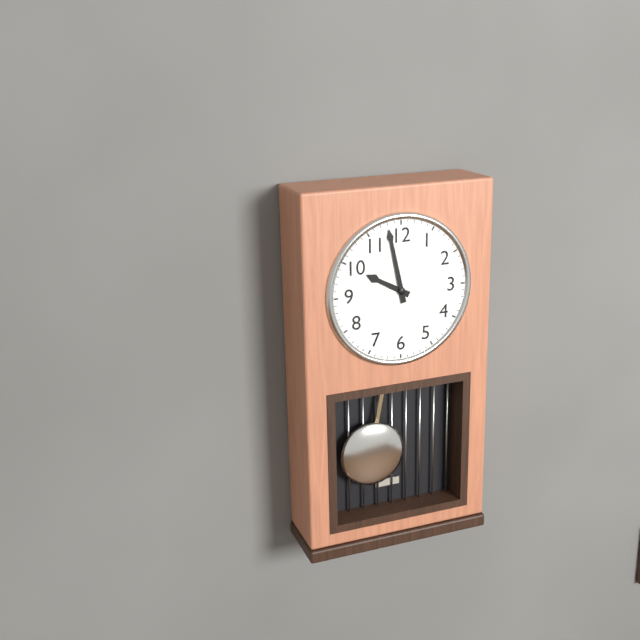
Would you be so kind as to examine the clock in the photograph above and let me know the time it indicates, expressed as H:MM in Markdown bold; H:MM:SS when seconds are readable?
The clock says **9:58**
